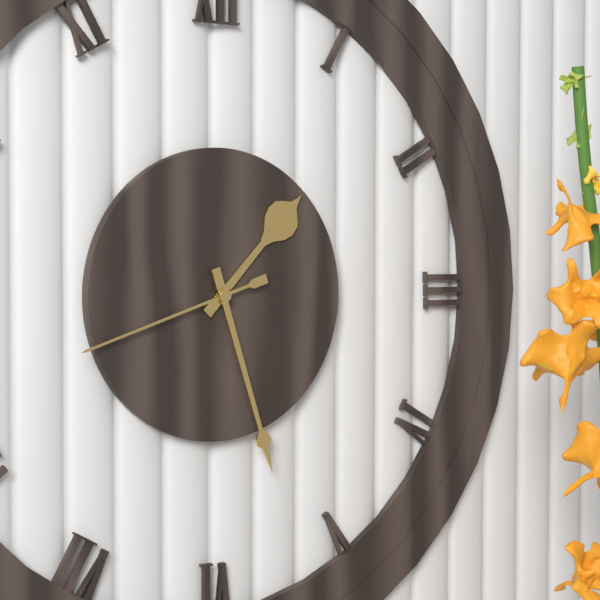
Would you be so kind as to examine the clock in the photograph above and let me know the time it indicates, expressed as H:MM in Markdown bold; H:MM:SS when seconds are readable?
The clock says **1:27:42**
